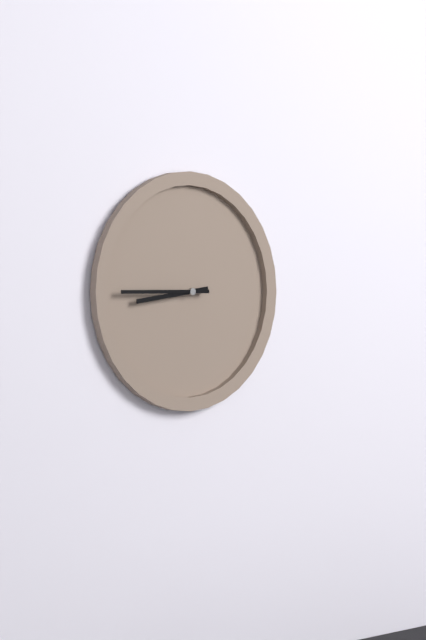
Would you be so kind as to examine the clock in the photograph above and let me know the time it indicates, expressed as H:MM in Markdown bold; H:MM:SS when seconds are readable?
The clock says **8:45**
